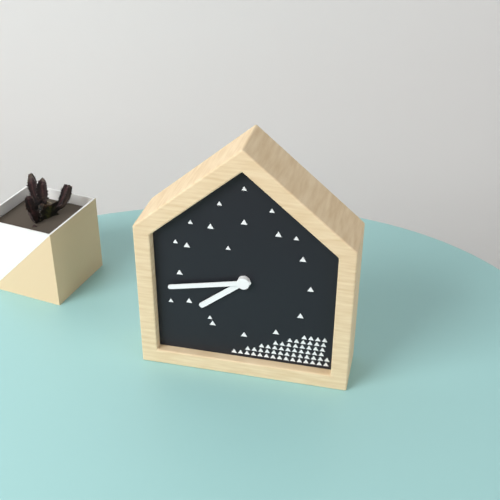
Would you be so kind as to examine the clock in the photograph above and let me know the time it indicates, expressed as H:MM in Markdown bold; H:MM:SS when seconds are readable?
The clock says **7:43**
